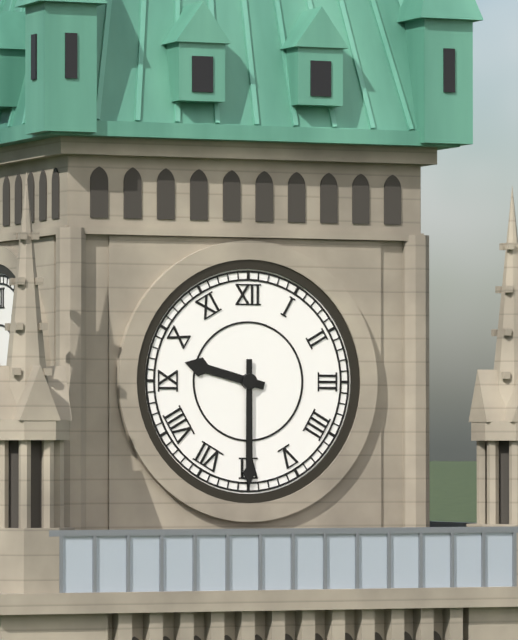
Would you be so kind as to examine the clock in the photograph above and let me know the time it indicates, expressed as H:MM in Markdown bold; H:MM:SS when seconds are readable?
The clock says **9:30**
